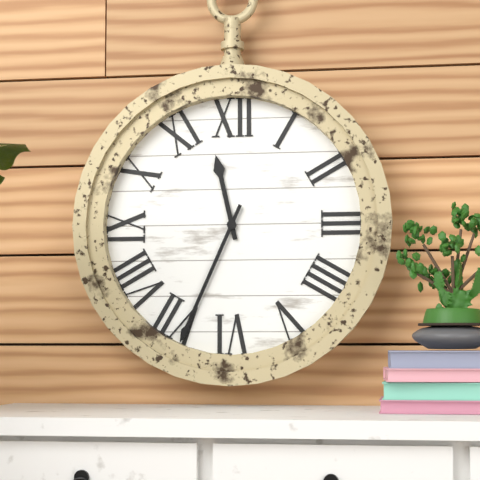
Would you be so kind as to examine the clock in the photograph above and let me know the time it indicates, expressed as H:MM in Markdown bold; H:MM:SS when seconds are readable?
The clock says **11:34**
